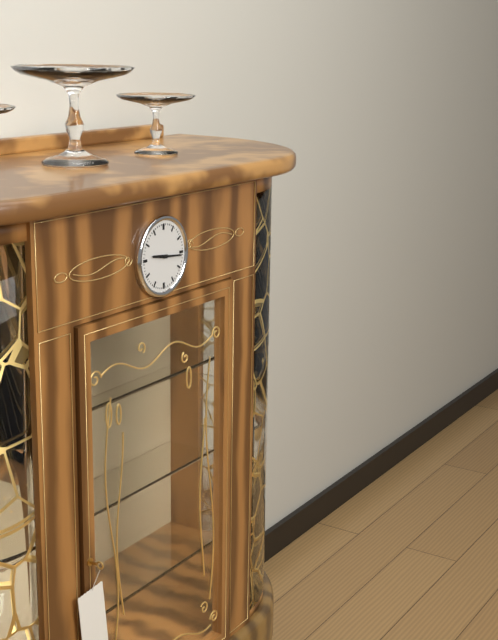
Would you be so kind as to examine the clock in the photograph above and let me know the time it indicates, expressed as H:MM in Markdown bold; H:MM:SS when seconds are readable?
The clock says **9:16**
